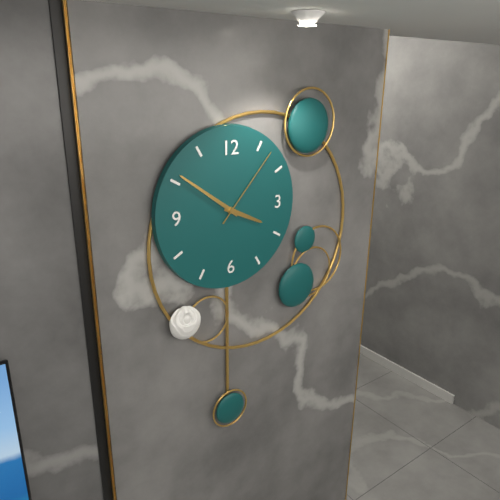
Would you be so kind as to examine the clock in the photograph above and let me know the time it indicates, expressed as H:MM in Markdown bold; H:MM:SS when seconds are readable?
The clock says **3:51:07**
